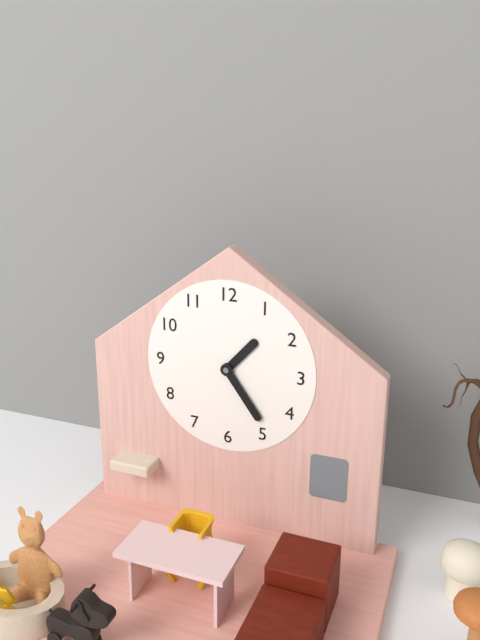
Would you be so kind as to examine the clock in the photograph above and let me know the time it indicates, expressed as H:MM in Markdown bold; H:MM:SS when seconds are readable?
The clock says **1:24**
